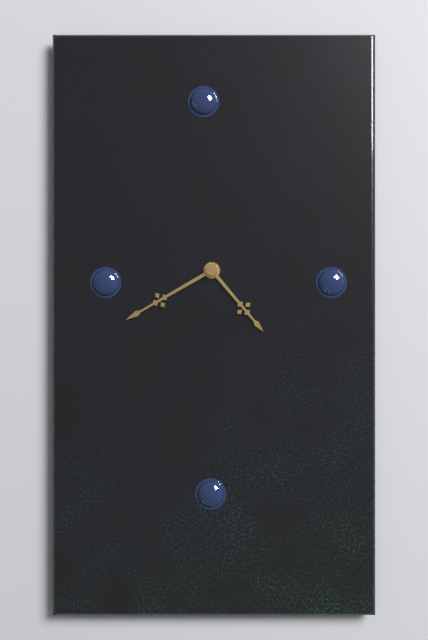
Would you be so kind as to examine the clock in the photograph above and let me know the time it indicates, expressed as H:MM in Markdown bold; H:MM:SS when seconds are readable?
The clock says **4:40**
